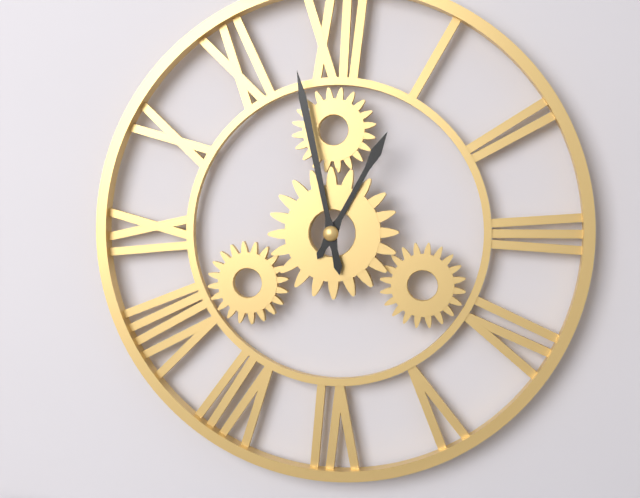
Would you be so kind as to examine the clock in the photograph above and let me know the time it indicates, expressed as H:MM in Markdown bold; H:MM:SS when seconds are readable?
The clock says **12:58**
